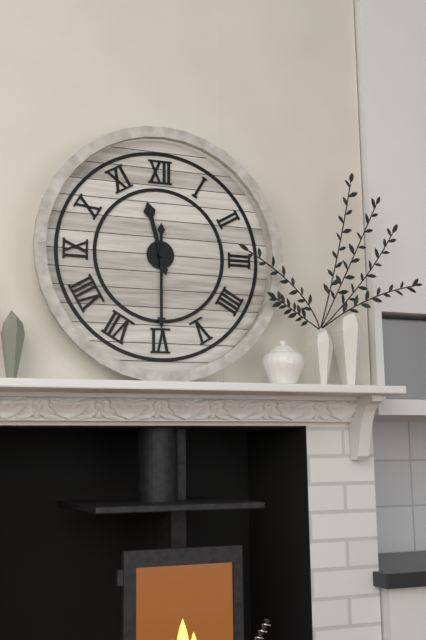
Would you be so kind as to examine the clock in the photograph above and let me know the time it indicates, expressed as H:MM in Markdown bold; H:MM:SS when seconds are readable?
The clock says **11:30**
